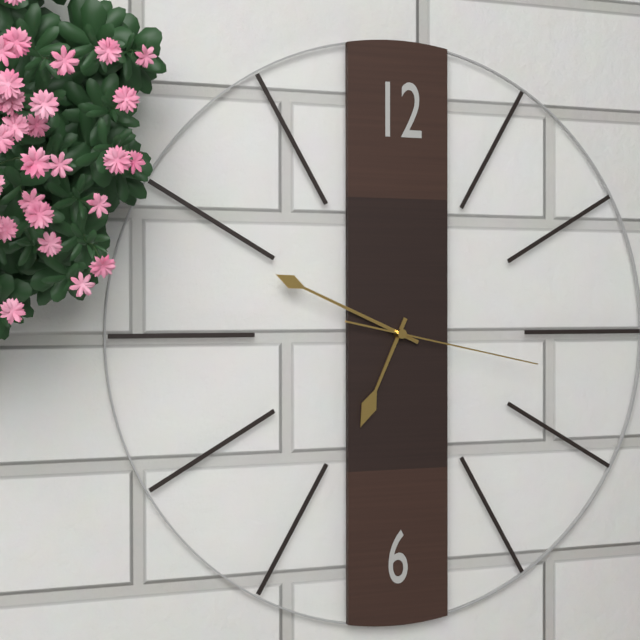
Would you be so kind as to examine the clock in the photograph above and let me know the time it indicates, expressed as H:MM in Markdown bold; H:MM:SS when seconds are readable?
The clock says **6:49:17**
